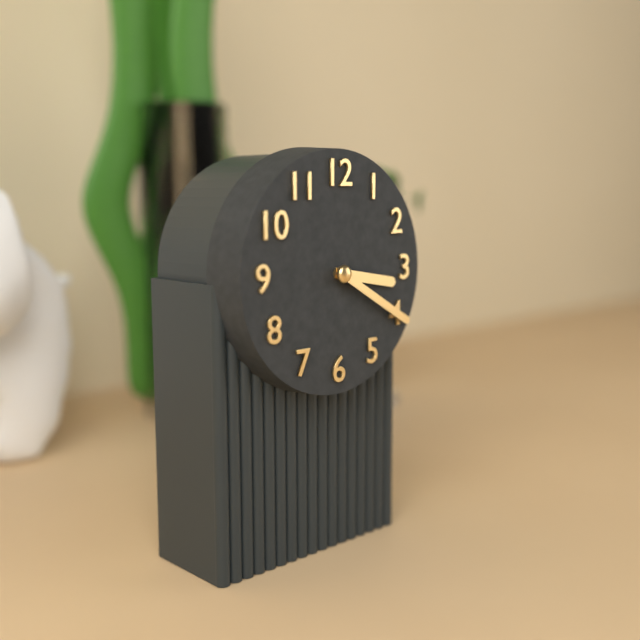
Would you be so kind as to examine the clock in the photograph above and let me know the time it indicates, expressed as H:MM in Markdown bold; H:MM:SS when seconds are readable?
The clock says **3:20**
